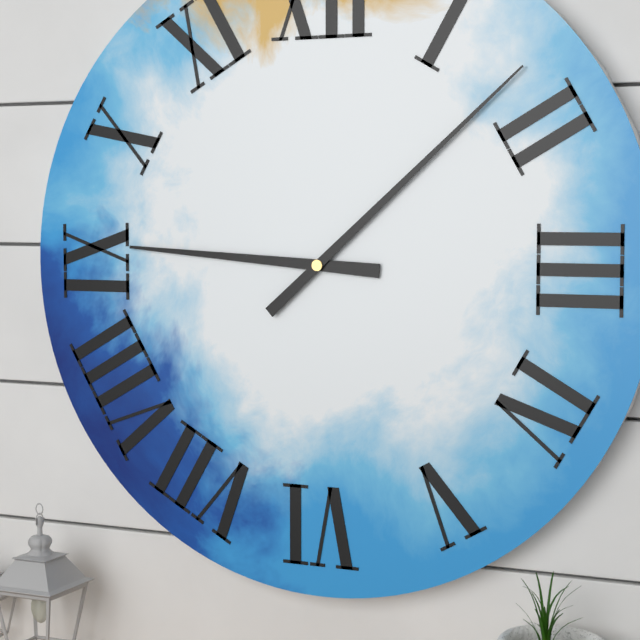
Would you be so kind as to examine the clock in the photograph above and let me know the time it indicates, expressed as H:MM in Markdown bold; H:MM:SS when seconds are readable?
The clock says **9:08**
